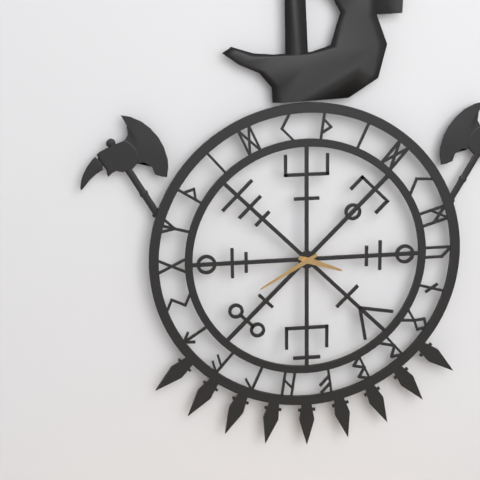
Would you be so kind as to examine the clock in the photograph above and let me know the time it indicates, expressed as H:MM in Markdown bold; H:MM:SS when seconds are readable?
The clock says **3:40**
